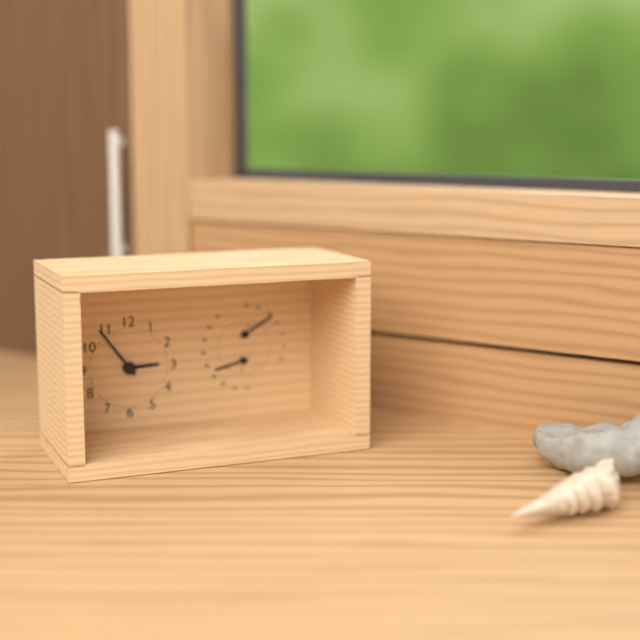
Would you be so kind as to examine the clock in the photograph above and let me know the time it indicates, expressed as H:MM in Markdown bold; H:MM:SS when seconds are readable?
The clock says **2:54**
